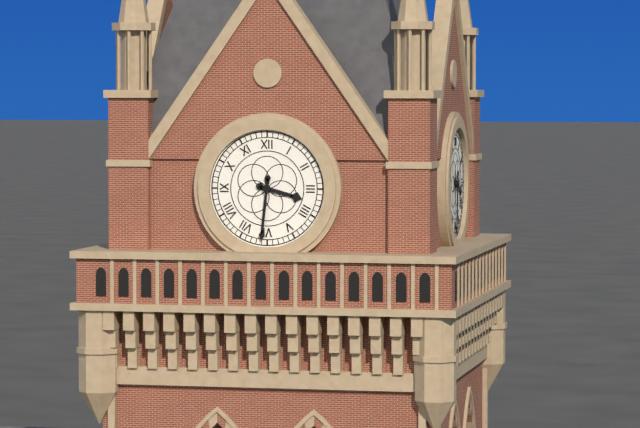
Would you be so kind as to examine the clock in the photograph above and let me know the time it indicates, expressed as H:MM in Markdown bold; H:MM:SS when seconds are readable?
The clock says **3:31**
